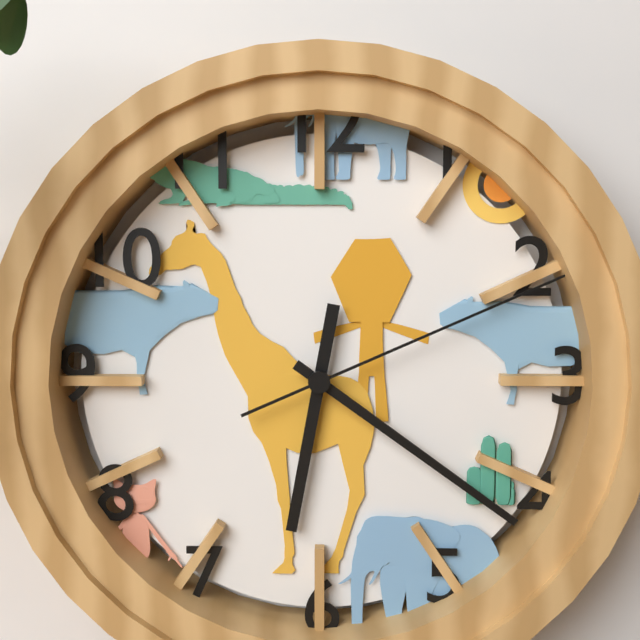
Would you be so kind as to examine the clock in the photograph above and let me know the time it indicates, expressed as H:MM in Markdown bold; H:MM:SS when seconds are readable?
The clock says **6:21:11**
